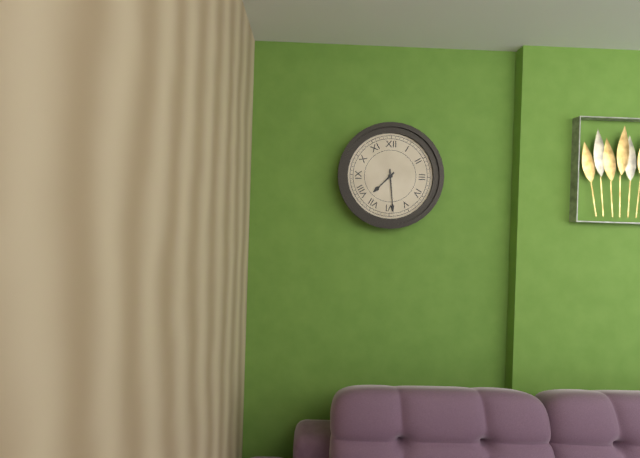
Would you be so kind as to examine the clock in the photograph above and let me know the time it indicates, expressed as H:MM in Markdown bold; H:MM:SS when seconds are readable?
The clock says **7:29**
